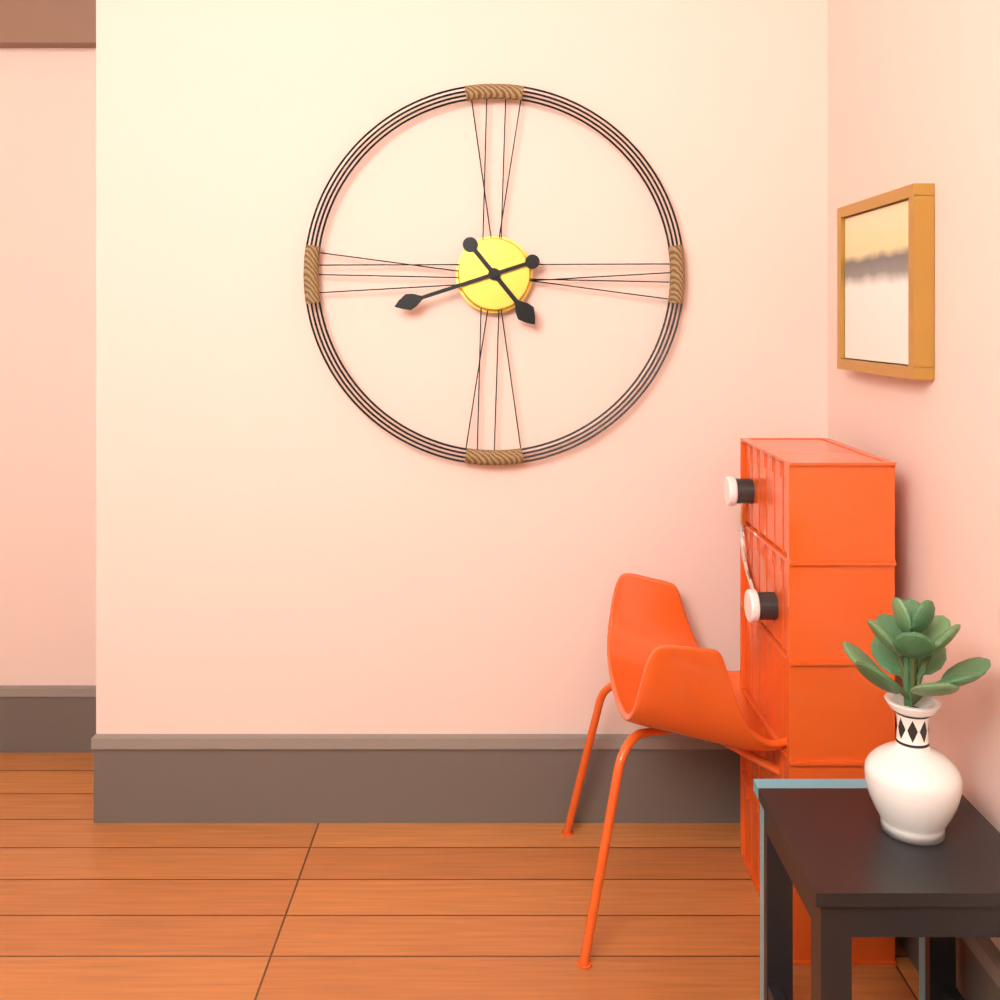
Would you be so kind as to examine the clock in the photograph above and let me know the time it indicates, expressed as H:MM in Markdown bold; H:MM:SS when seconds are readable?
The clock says **4:42**
